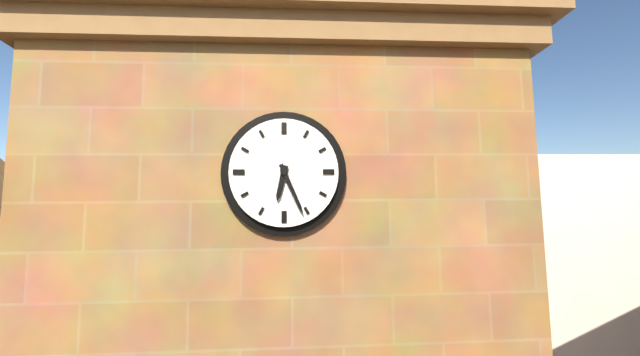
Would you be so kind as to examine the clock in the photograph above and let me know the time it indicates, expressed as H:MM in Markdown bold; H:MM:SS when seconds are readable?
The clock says **6:26**
